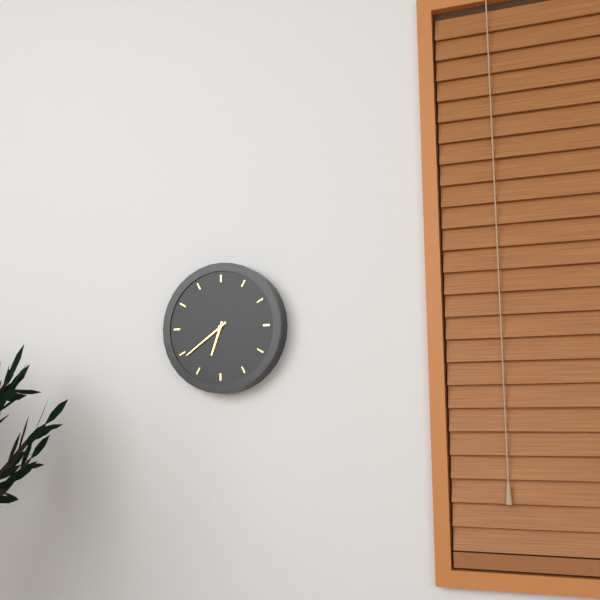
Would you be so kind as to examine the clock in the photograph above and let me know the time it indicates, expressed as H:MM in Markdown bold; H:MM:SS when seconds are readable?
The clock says **6:39**
